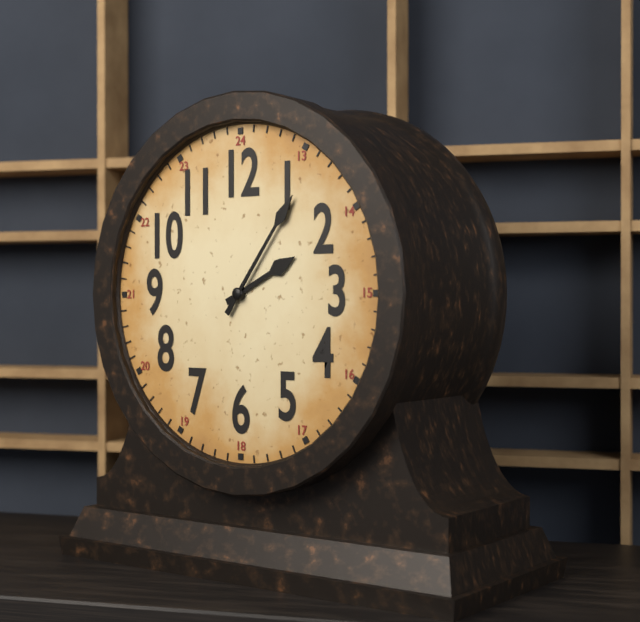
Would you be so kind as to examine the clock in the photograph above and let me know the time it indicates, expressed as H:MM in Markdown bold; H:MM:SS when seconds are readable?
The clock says **2:06**
